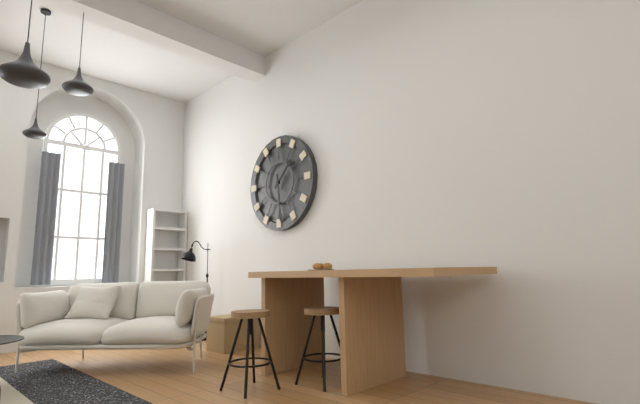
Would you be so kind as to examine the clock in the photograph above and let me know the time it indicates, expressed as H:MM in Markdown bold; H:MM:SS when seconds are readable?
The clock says **1:29**
